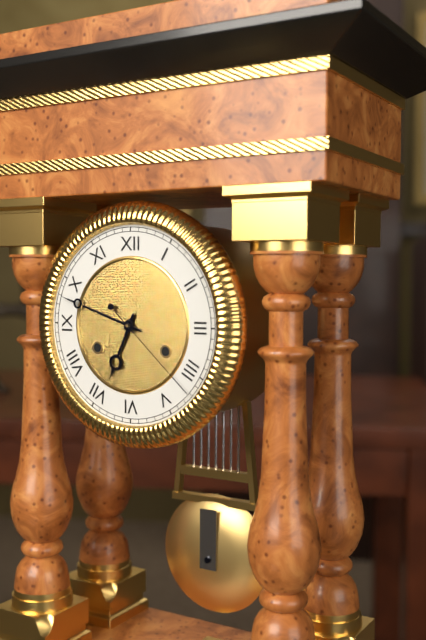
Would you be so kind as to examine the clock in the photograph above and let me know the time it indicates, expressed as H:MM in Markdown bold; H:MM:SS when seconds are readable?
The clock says **6:48:22**
